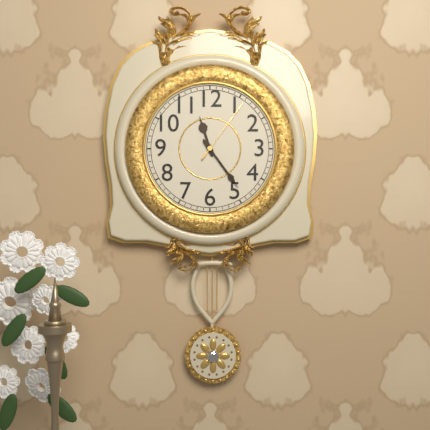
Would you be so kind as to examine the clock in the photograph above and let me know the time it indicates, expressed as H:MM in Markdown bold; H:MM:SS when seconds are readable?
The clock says **11:24:06**
